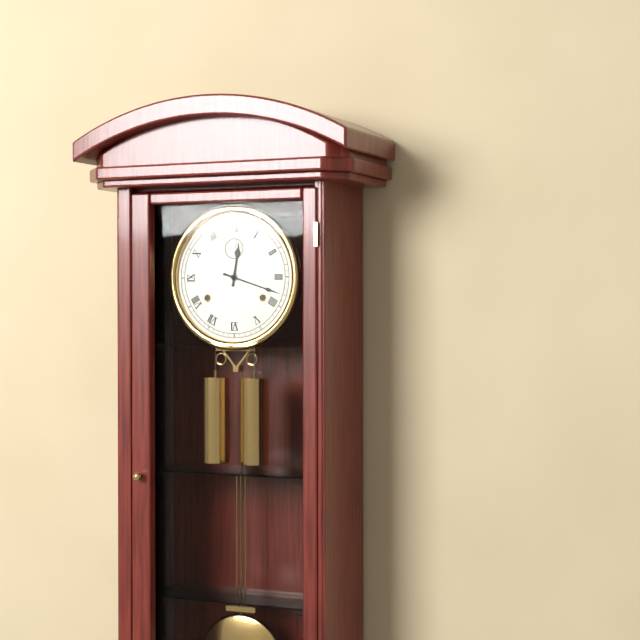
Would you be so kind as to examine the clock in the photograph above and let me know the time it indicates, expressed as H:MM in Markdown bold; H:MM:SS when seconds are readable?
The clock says **12:18**
